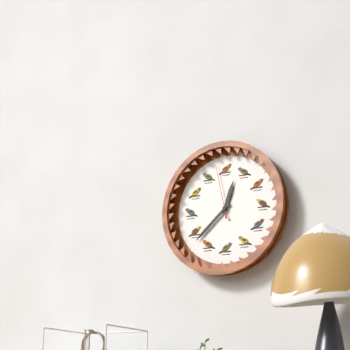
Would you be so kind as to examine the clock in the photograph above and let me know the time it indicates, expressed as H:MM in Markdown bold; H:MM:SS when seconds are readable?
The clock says **12:38:58**
